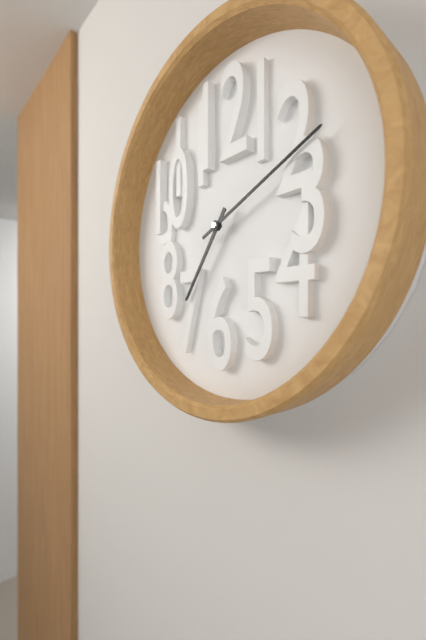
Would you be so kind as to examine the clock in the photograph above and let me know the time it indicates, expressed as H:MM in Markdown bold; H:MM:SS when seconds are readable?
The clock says **7:11**
